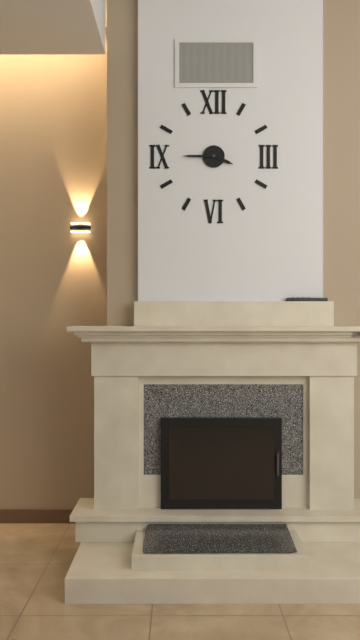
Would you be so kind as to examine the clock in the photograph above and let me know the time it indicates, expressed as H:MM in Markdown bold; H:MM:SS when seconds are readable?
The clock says **3:45**
